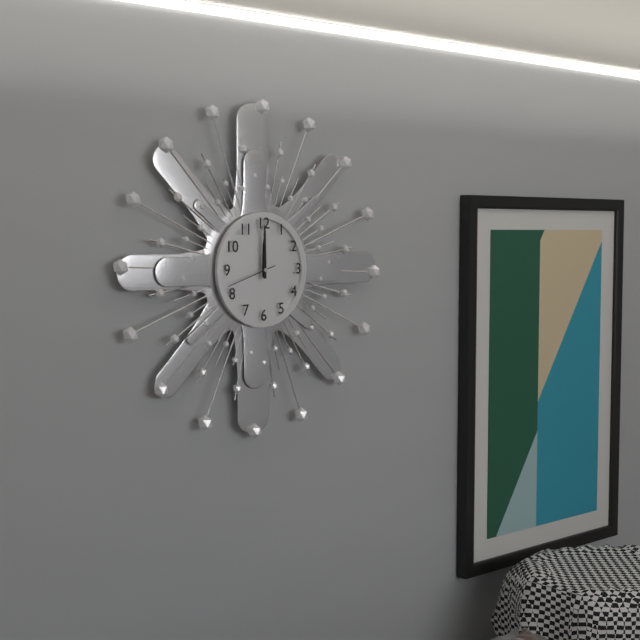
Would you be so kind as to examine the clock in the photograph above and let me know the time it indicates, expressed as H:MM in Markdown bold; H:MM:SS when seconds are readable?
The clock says **12:00:42**
